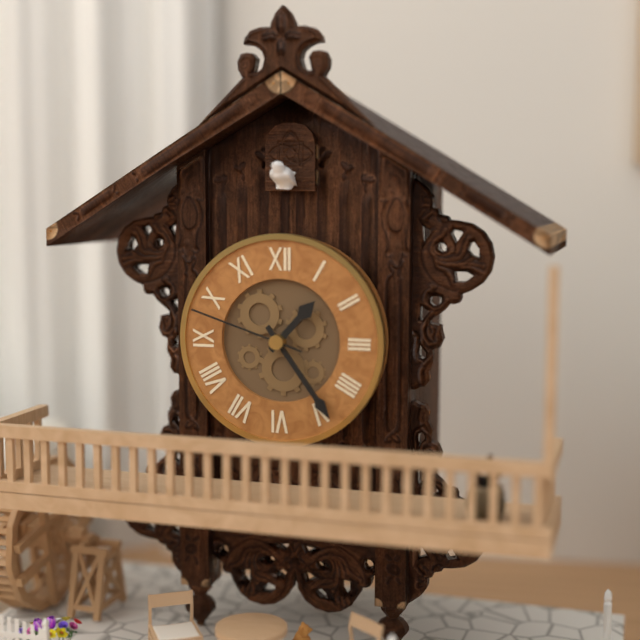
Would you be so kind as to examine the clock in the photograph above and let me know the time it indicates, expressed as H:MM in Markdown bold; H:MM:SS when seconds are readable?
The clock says **1:24:48**
